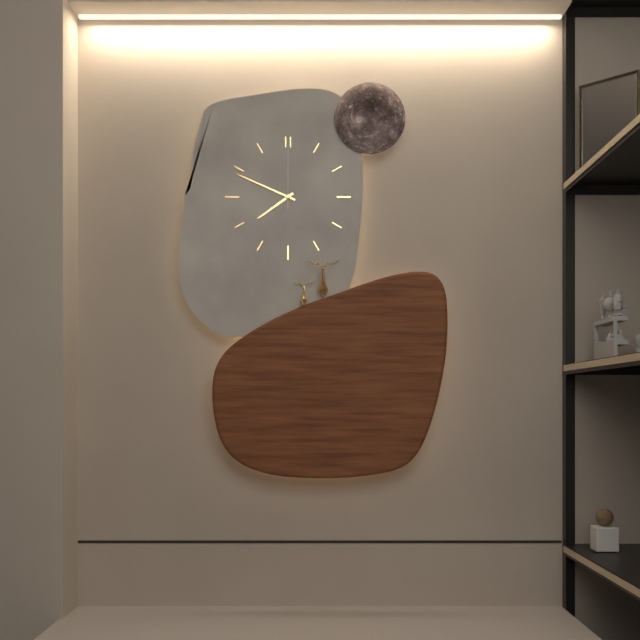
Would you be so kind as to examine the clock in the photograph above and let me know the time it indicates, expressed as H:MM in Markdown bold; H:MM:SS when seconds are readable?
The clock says **7:49:00**
